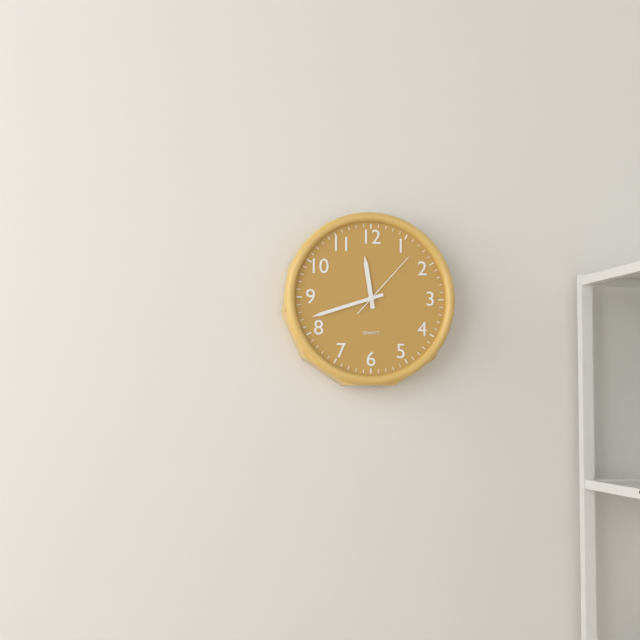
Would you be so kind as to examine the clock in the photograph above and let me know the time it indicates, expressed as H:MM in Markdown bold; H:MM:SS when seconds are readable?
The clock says **11:42:07**
